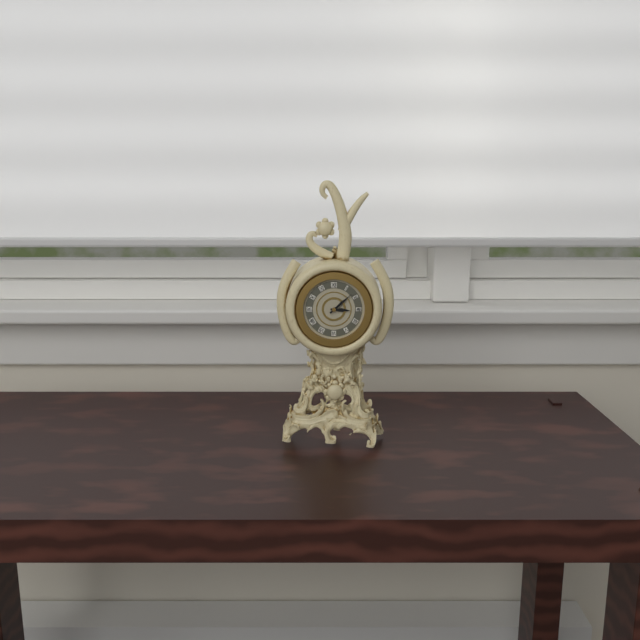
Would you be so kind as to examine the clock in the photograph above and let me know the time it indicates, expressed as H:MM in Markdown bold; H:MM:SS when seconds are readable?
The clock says **3:08**
